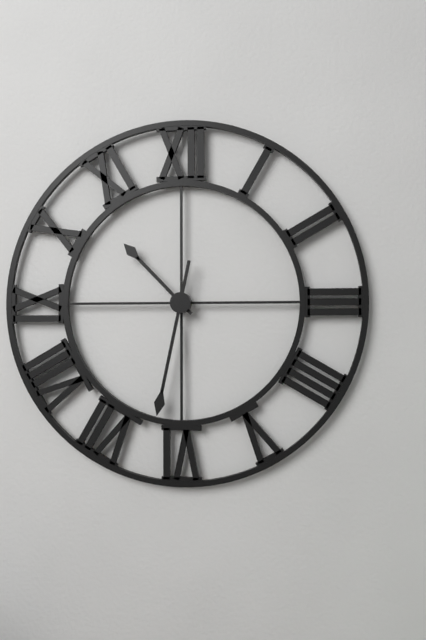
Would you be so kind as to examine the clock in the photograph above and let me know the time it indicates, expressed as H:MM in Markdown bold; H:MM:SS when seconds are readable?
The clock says **10:32**
